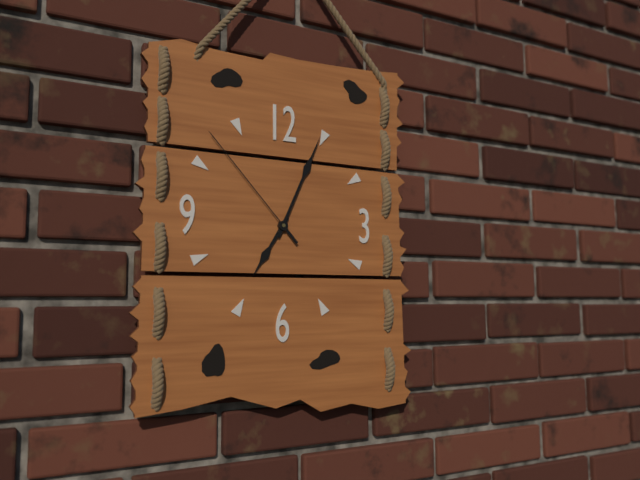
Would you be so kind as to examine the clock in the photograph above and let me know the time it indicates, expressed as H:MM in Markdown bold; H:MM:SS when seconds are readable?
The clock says **7:04:53**
